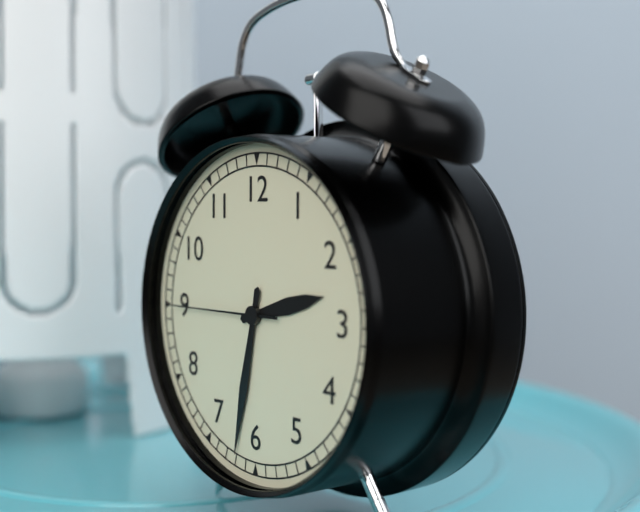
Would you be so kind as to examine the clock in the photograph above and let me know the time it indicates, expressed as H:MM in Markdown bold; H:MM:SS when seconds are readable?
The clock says **2:32:45**
